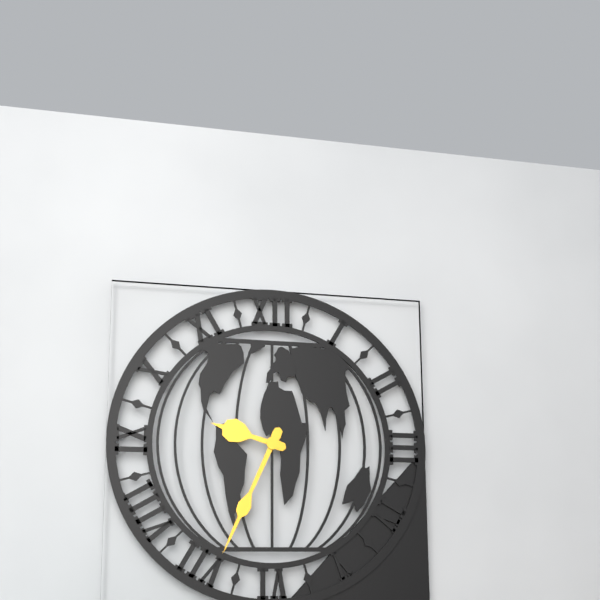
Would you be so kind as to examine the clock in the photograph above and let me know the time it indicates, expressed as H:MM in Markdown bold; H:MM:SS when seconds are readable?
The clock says **9:34**
